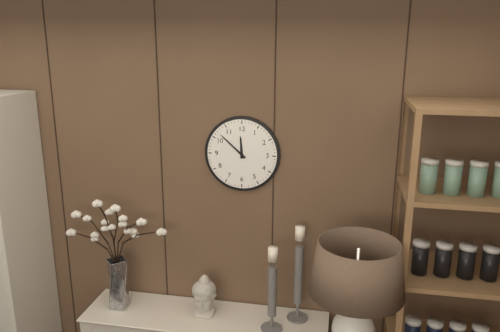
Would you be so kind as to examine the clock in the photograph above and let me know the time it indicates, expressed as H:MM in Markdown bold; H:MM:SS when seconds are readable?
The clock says **11:52**
